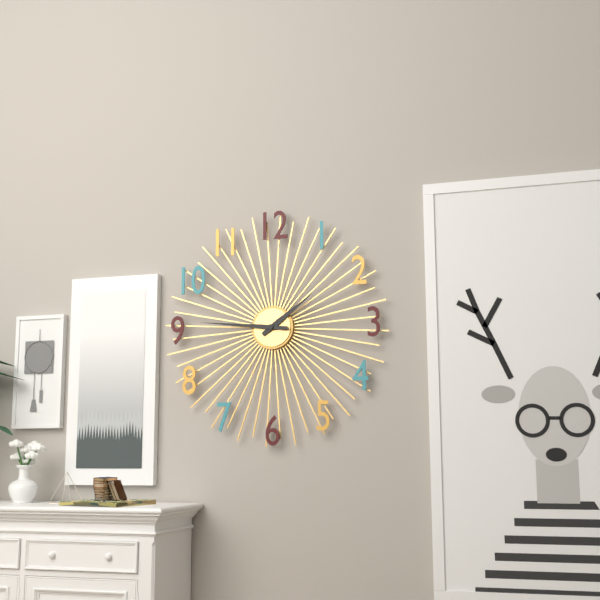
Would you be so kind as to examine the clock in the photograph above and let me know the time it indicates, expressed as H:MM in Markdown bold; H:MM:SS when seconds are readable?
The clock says **1:46**
